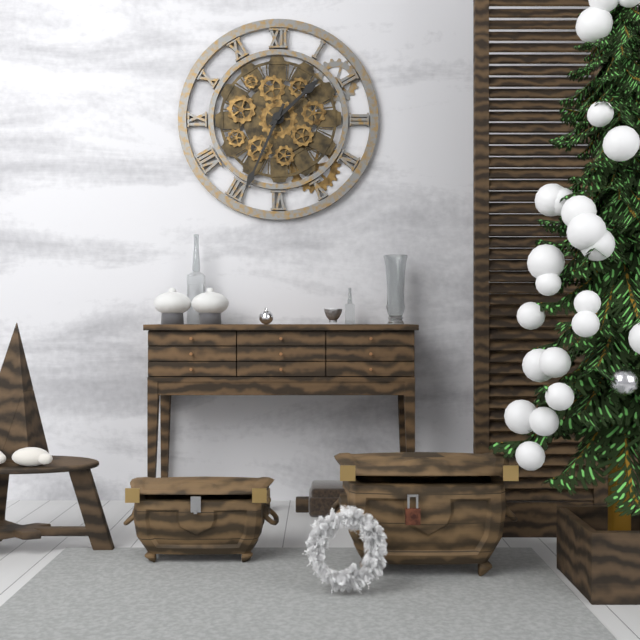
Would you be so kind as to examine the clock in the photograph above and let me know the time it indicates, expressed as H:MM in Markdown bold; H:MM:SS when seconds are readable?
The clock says **1:34**
